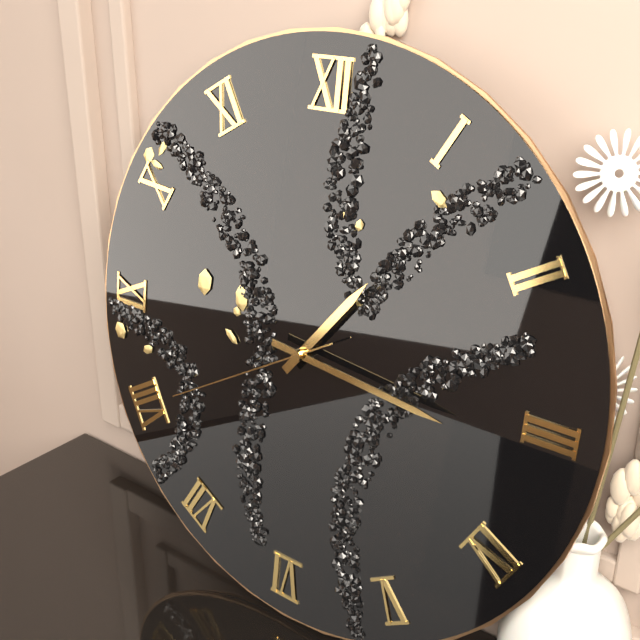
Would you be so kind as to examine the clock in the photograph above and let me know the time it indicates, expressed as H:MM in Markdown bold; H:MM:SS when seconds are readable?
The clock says **1:16:40**
